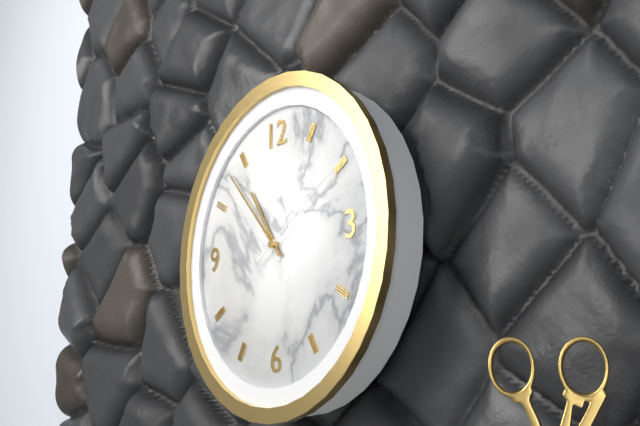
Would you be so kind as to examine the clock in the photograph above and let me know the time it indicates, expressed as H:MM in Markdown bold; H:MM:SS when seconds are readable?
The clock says **10:53:10**
